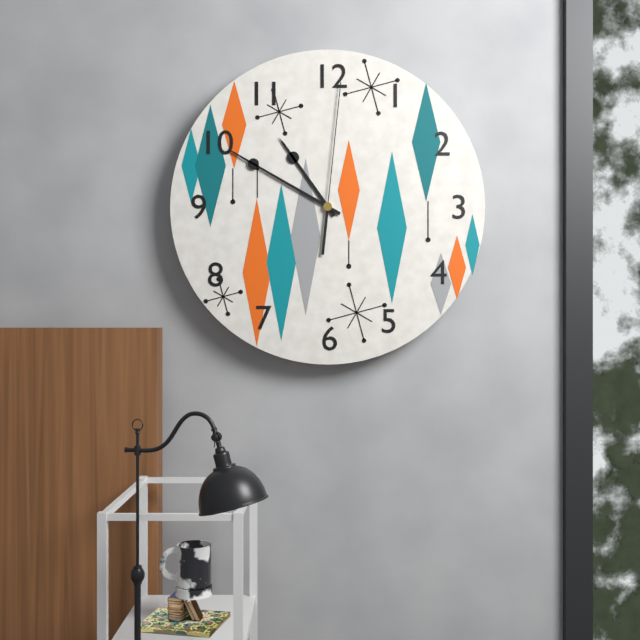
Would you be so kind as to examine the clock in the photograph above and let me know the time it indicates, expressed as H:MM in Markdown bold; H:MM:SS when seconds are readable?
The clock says **10:50:01**
